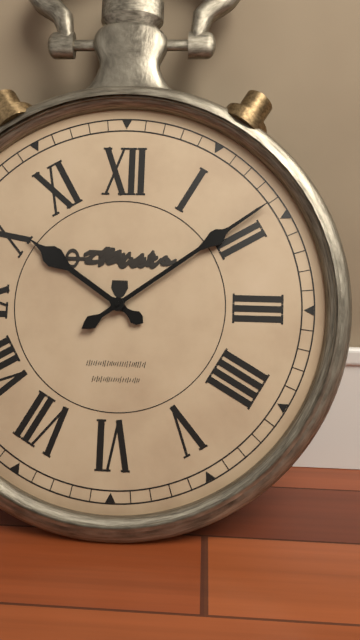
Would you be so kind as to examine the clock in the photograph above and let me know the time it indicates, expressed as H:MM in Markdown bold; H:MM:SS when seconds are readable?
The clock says **10:09**
